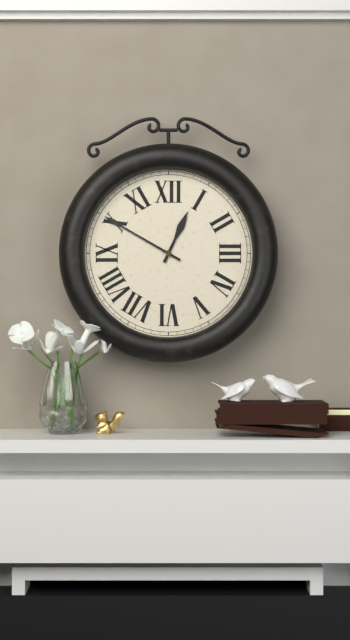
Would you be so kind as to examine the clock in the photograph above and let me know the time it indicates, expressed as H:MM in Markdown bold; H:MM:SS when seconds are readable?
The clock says **12:50**
